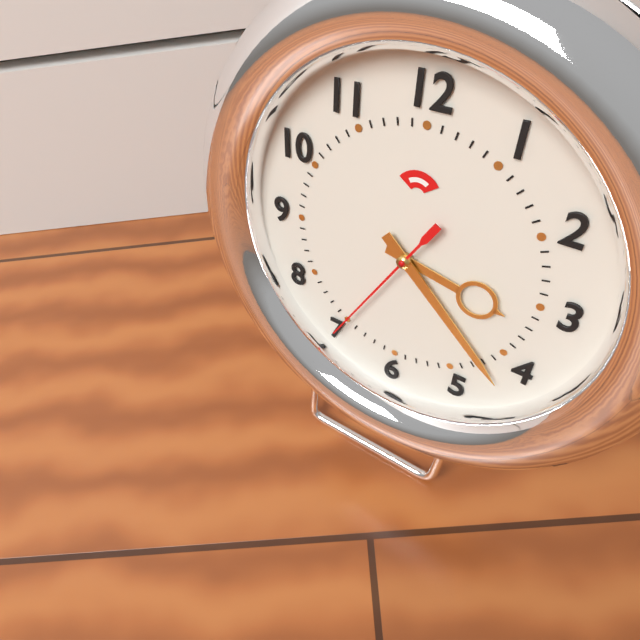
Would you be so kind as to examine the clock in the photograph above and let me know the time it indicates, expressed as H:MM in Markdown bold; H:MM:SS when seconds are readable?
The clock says **3:22:35**
